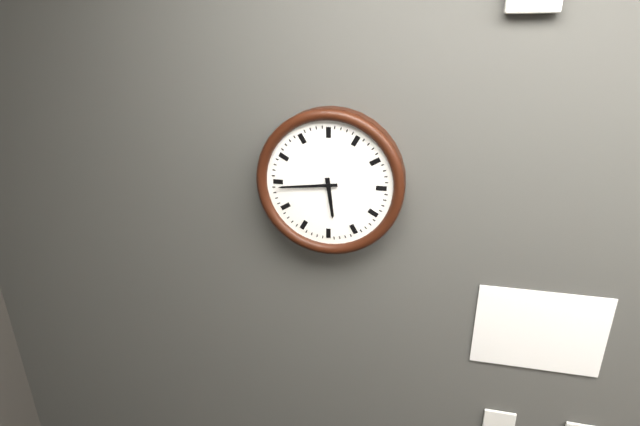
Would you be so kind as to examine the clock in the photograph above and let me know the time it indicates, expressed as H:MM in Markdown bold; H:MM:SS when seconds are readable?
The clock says **5:44**
